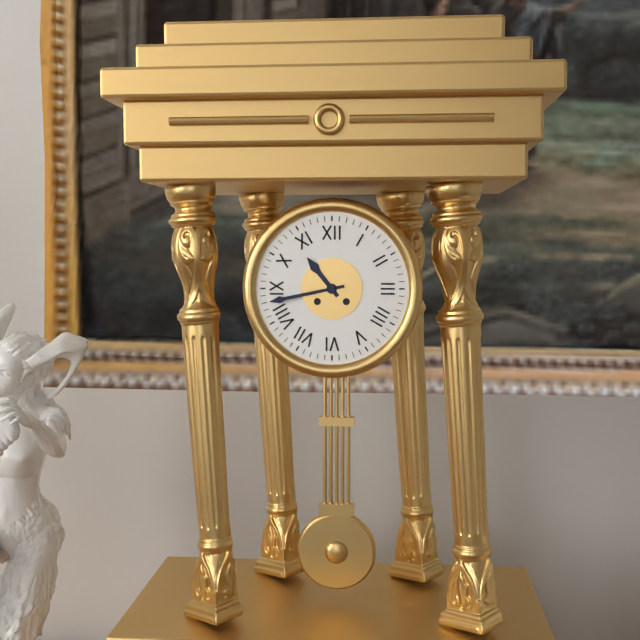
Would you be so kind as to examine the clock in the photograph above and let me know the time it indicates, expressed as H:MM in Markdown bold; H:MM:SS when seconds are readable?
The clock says **10:43**
